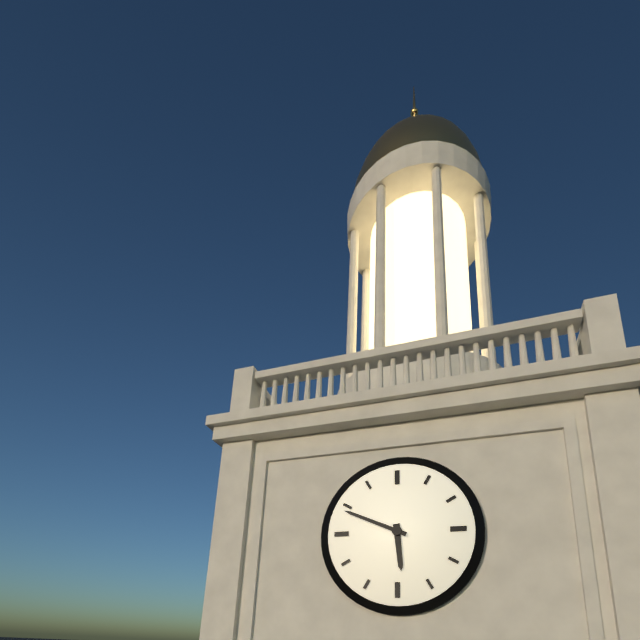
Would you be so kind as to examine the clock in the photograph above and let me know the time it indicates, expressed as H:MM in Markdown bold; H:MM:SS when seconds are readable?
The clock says **5:49**
